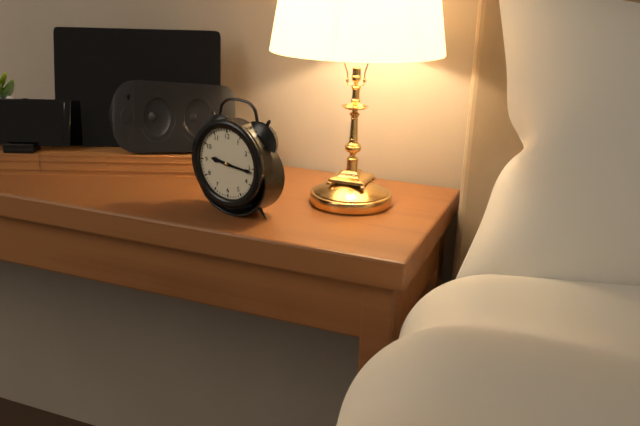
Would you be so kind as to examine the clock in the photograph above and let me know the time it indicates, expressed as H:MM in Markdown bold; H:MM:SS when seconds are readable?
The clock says **9:16**
